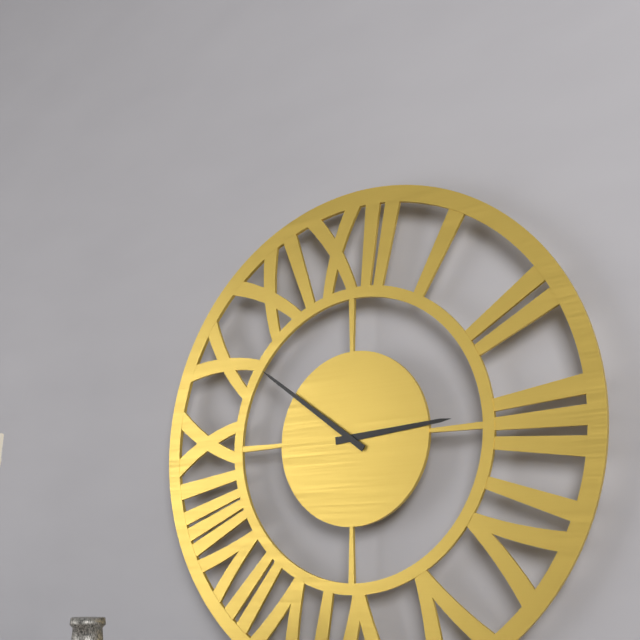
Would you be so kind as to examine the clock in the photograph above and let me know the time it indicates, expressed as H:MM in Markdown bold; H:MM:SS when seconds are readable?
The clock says **2:51**
